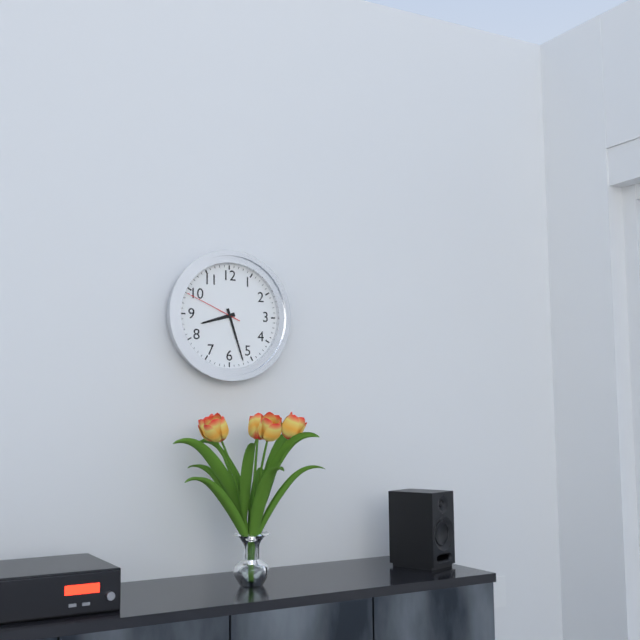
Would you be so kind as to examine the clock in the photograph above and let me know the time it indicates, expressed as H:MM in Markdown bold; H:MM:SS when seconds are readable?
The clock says **8:27:49**
